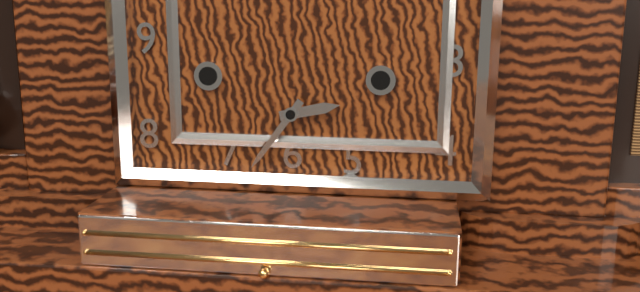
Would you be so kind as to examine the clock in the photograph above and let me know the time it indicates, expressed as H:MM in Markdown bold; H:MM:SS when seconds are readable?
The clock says **2:36**
